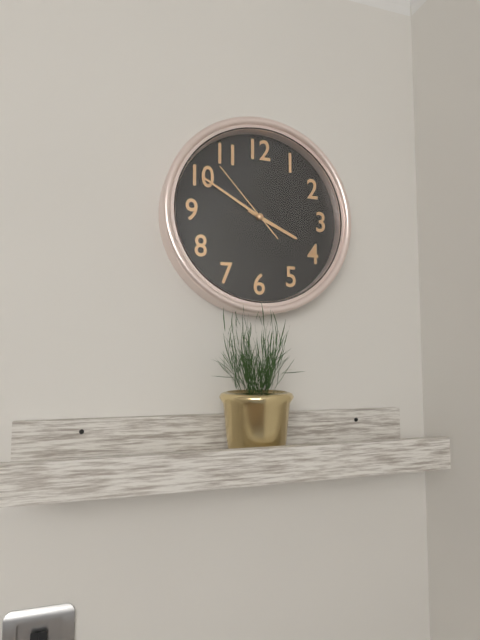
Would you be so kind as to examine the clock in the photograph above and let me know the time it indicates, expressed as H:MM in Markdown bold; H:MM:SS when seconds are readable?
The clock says **3:50:53**
